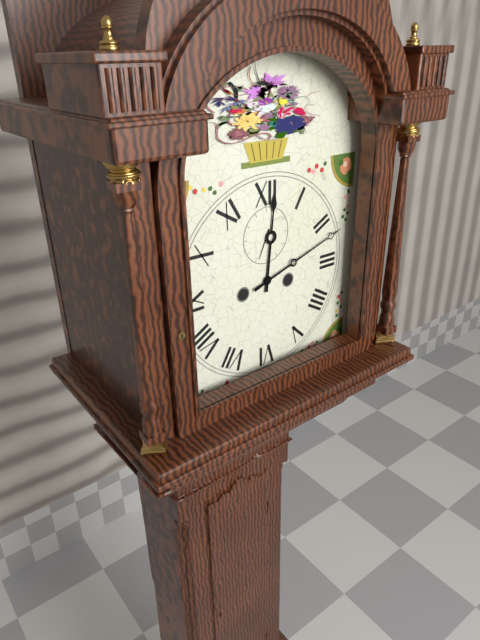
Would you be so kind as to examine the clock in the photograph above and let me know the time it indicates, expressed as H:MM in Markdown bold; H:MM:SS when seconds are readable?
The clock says **12:12**
